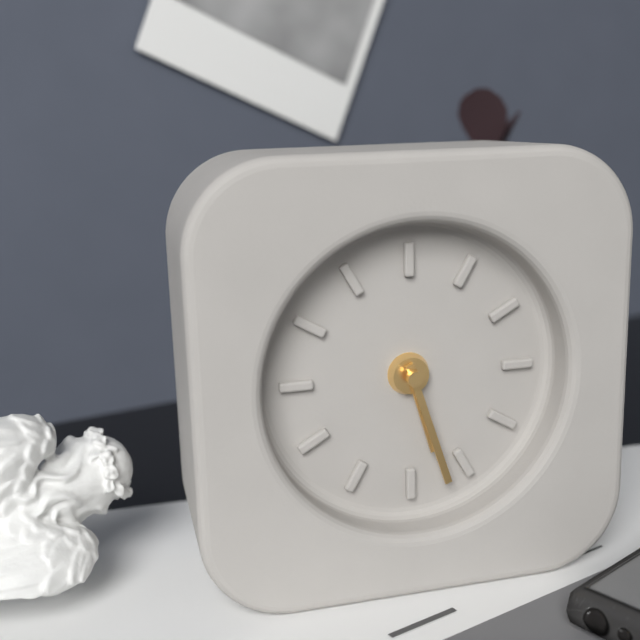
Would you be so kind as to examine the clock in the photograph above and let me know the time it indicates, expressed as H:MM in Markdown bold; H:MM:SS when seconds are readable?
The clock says **5:27**
